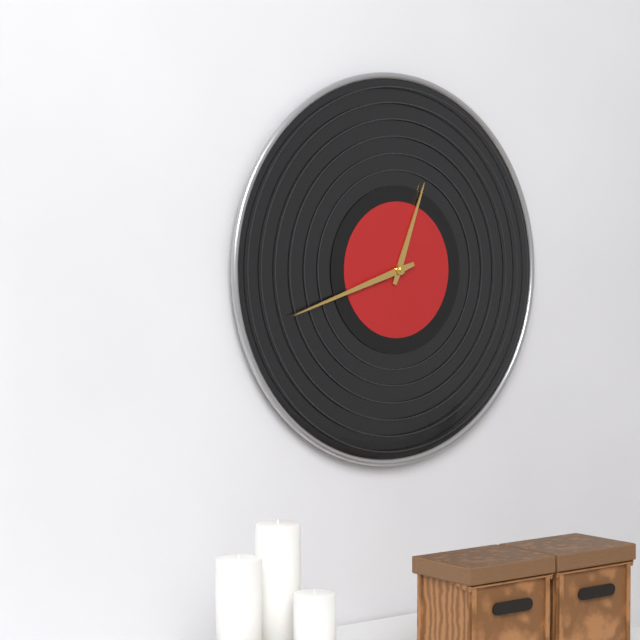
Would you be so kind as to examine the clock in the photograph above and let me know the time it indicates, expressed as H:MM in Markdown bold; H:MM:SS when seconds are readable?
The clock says **12:42**
